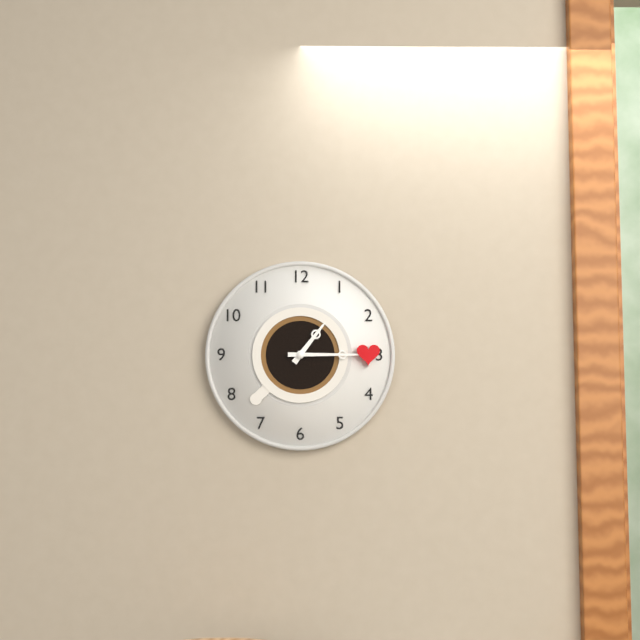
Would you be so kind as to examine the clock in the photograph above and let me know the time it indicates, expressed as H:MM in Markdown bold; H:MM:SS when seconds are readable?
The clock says **1:15**
